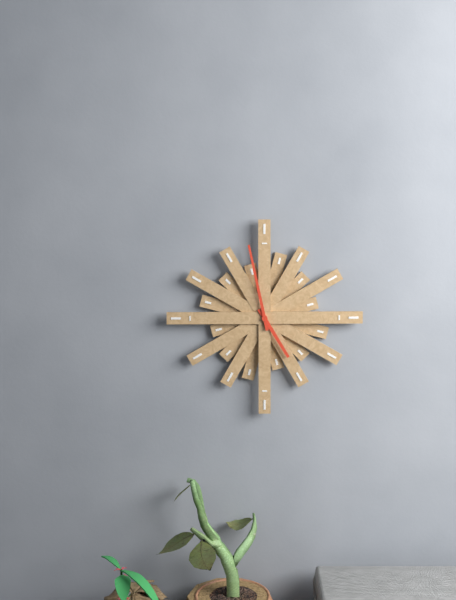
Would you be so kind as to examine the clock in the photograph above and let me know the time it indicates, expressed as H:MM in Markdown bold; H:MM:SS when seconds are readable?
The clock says **4:58**
